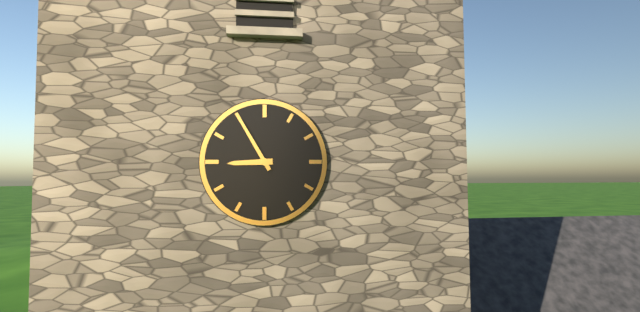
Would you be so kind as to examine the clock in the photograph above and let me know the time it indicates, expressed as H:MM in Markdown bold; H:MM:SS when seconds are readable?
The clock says **8:55**
